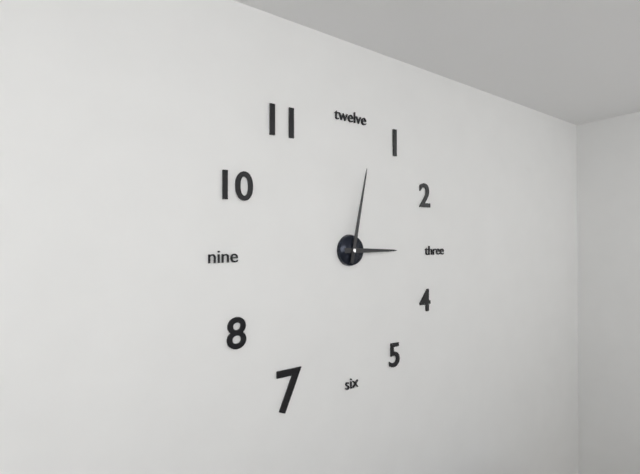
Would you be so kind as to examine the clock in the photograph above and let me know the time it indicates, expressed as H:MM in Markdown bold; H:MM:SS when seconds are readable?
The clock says **3:02**
